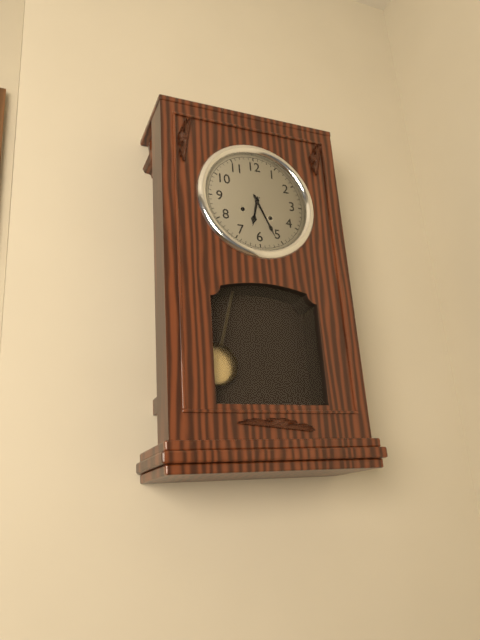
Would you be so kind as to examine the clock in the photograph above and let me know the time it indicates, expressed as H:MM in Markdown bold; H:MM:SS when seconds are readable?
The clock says **6:26**
